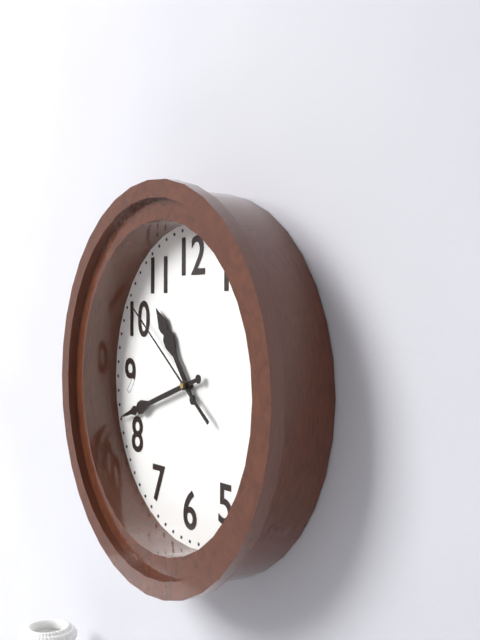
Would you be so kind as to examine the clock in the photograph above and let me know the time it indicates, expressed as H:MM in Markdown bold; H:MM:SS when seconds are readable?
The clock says **10:42:51**
